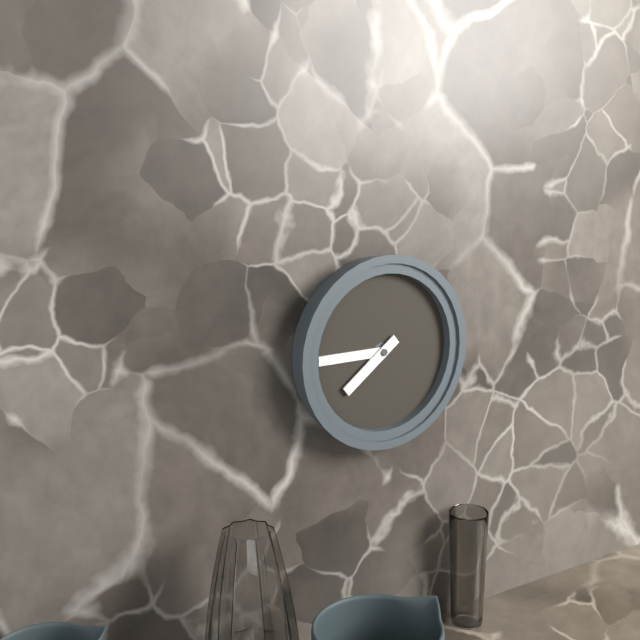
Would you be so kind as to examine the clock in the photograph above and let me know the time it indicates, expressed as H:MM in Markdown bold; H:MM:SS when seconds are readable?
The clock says **7:45**
